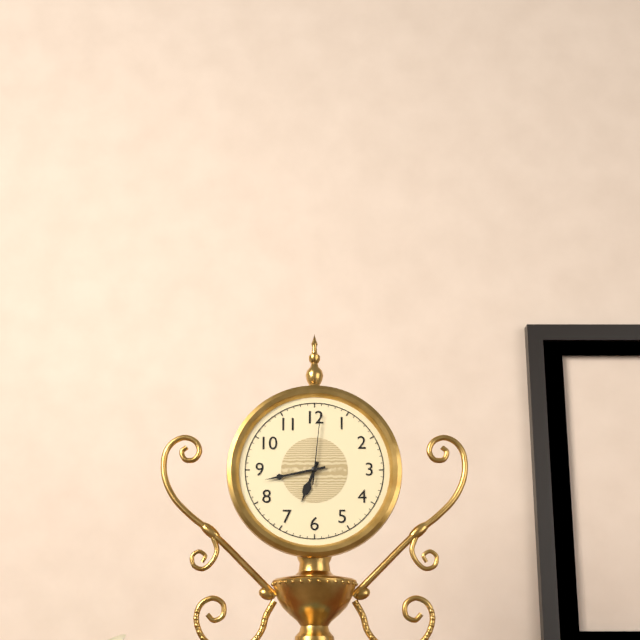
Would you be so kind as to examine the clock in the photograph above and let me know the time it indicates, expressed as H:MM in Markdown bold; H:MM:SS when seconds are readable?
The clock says **6:43:01**
